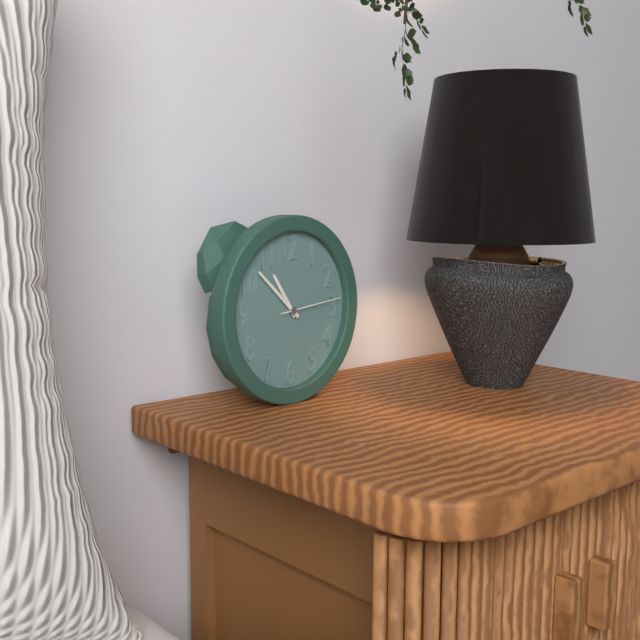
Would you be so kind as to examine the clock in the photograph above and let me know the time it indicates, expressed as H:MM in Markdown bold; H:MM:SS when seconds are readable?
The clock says **10:52:14**
